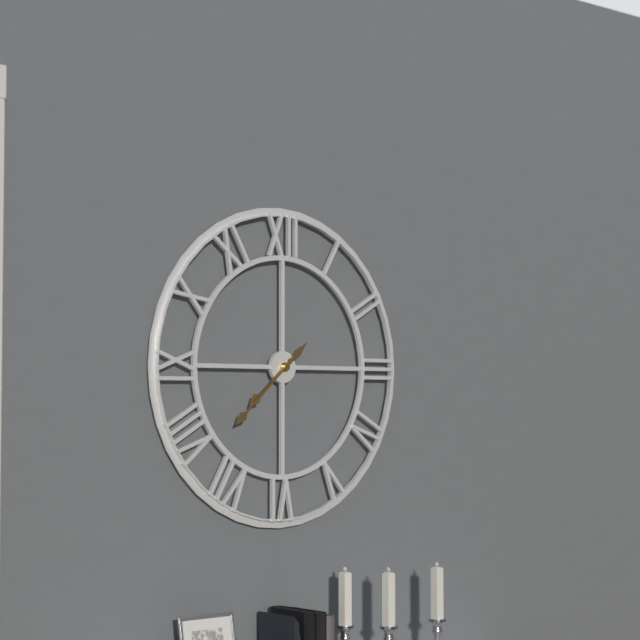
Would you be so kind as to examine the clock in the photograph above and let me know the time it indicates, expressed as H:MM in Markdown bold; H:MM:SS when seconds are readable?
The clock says **7:38**
